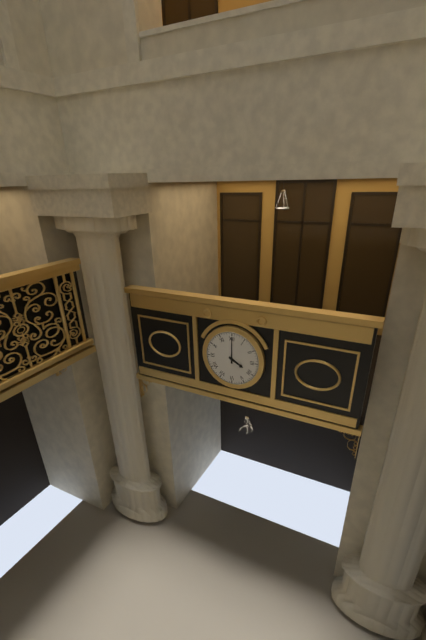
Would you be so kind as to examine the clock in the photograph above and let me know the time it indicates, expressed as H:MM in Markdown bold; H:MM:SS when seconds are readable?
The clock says **4:00**
